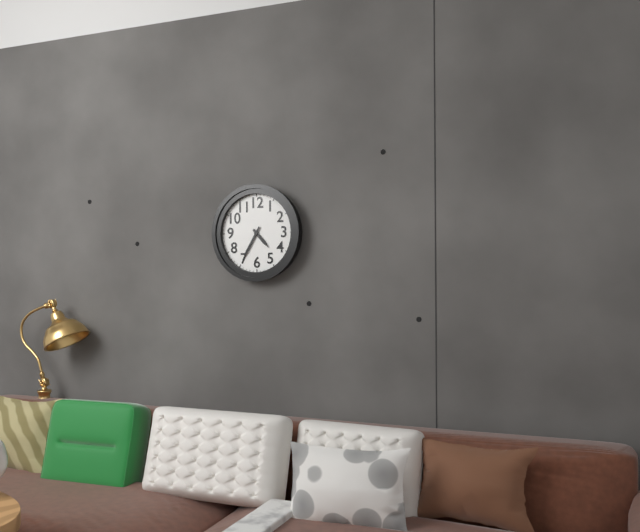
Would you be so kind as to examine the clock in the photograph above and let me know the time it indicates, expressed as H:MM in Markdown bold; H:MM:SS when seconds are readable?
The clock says **4:35**
